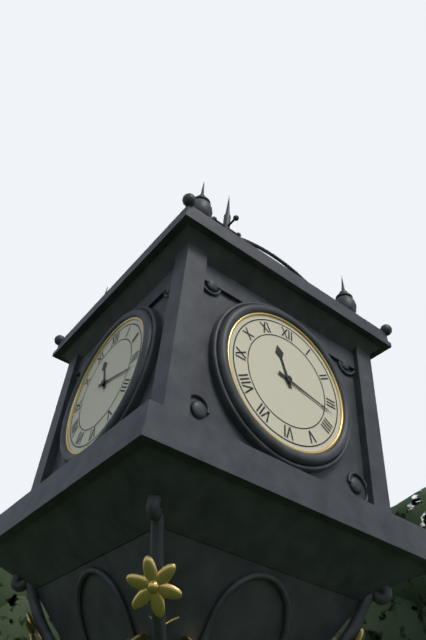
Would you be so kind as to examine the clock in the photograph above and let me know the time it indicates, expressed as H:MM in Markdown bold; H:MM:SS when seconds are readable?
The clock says **11:17**
